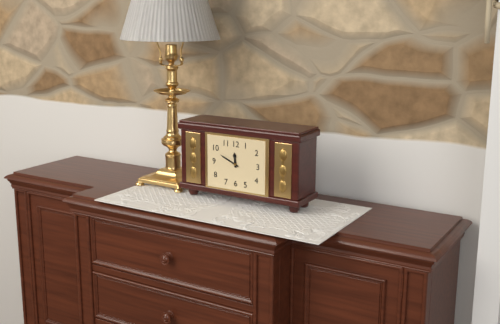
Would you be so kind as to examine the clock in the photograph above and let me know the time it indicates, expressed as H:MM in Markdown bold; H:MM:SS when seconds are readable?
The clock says **11:49**
